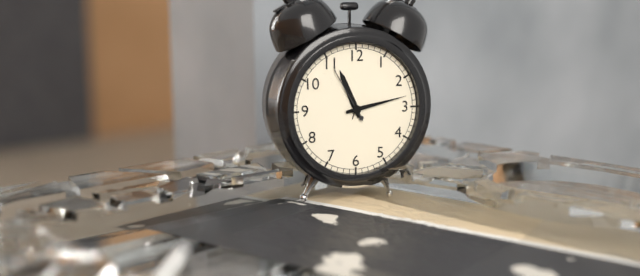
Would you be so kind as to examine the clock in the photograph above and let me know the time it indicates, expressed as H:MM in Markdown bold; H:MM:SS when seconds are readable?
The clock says **11:13:55**
